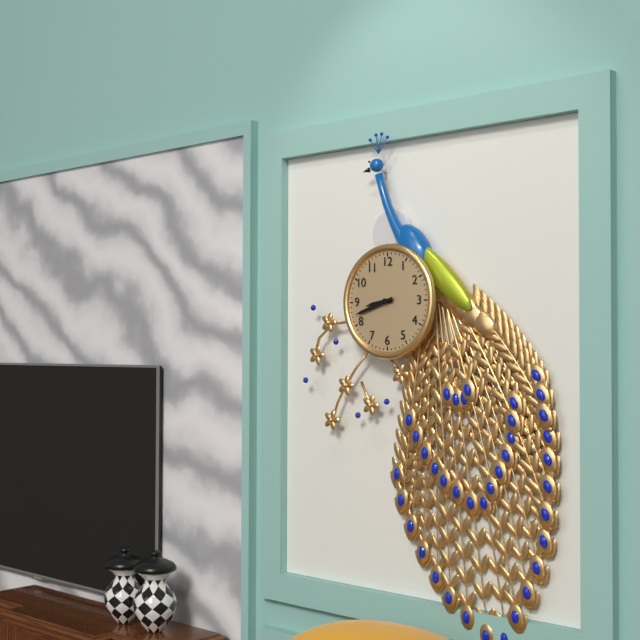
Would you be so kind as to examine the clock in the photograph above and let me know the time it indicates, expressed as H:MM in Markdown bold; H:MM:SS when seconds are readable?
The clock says **8:42**
